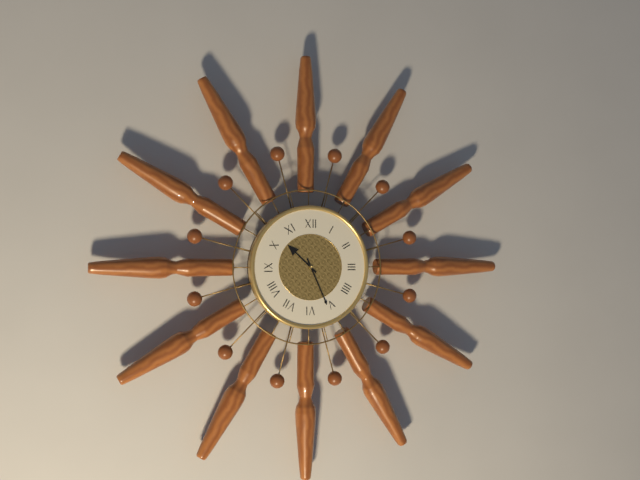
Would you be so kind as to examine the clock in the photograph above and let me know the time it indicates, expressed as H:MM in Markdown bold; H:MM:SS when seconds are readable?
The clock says **10:26**
